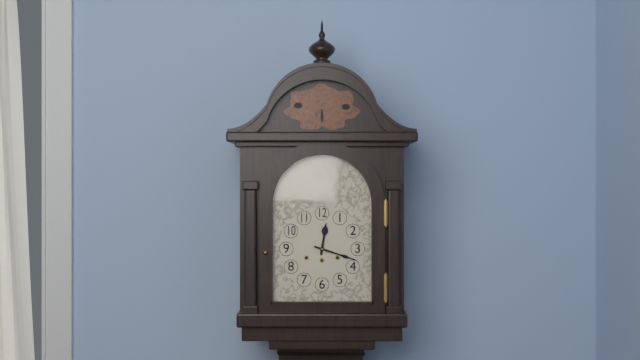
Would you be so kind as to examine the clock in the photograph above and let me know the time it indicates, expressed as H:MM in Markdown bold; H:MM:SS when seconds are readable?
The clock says **12:18**
